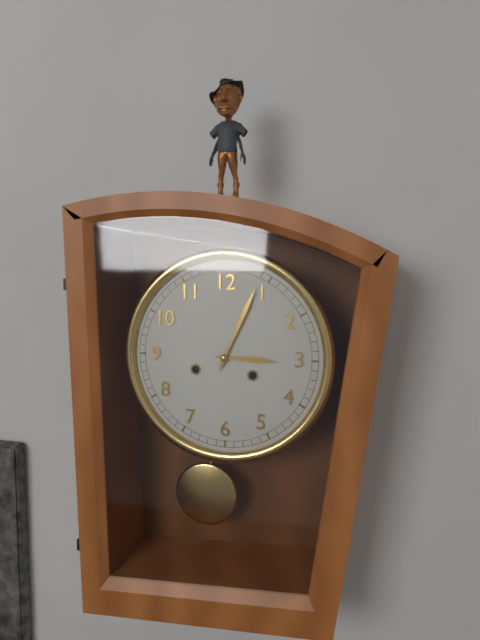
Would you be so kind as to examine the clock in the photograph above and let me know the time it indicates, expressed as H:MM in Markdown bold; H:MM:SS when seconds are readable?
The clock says **3:04**
